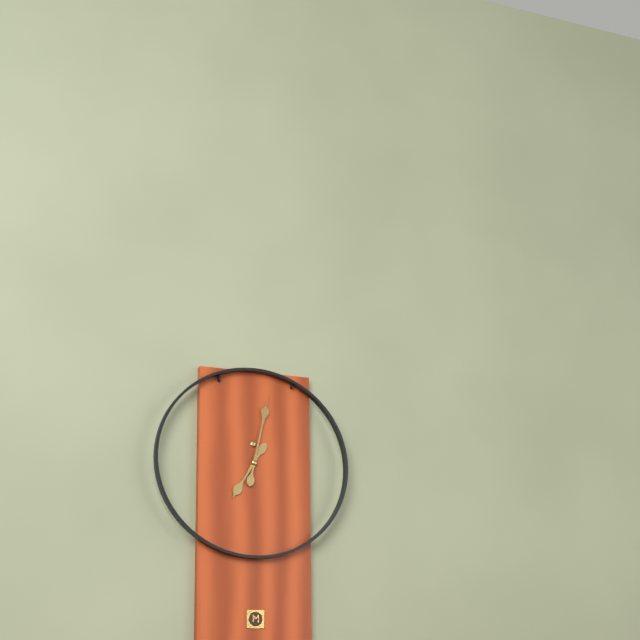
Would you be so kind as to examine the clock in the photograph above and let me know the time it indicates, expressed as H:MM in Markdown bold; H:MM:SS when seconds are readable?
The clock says **7:02**
